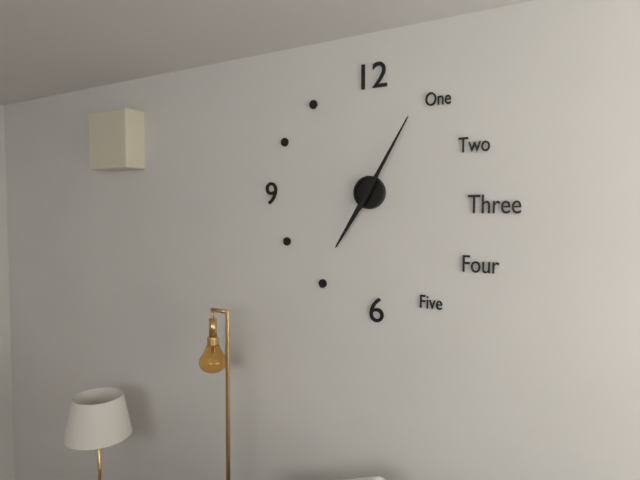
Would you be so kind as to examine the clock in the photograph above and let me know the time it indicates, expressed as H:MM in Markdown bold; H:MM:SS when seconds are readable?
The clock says **7:05**
